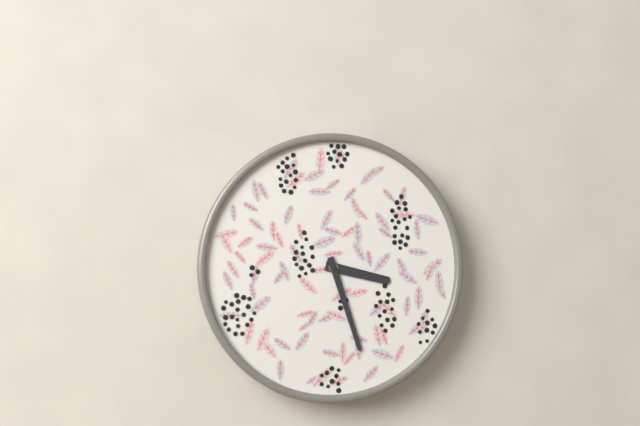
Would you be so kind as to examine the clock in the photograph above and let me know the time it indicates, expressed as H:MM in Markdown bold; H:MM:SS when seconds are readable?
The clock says **3:27**
